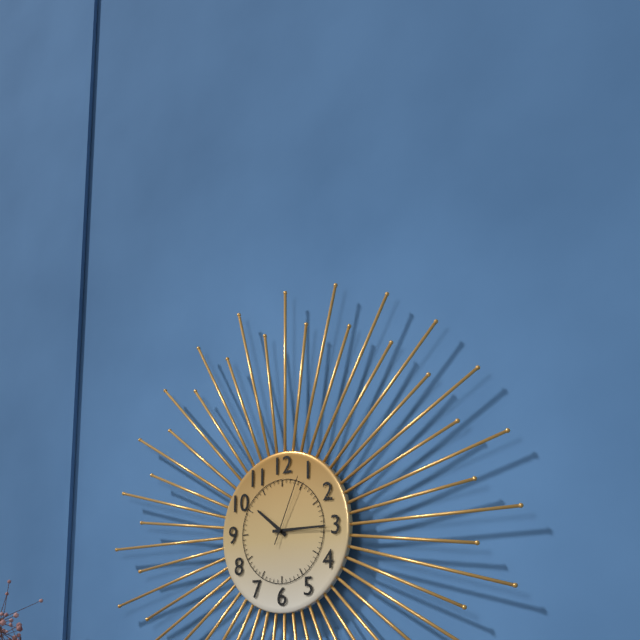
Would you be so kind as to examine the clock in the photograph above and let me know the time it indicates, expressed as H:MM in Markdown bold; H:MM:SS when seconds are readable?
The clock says **10:15:04**
